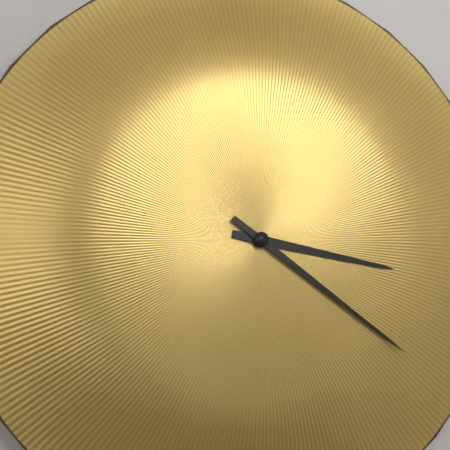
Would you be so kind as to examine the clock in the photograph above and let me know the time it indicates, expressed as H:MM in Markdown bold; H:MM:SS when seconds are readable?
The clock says **3:21**
